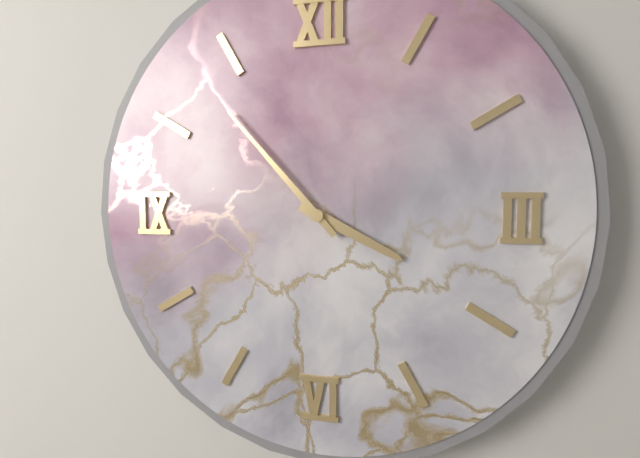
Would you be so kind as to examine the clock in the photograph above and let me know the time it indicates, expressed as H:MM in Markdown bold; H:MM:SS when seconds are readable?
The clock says **3:53**
